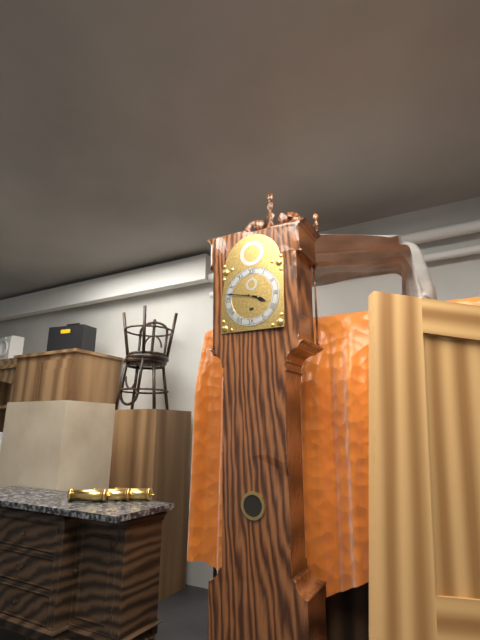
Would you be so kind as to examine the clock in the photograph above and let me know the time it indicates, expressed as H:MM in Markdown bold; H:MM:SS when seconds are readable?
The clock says **3:47**
